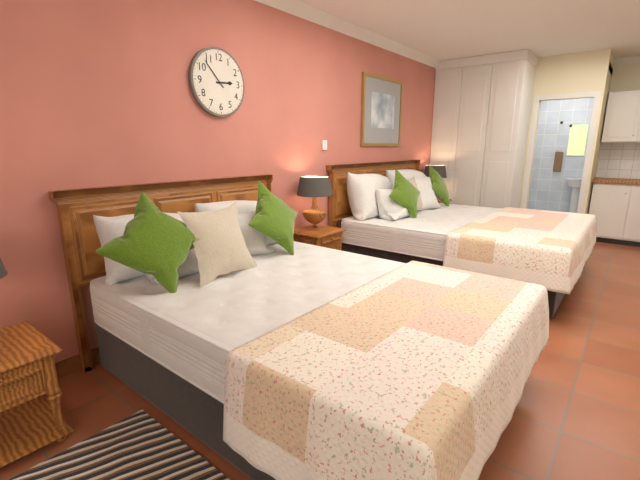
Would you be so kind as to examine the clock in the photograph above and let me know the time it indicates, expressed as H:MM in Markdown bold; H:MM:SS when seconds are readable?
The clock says **2:53**
